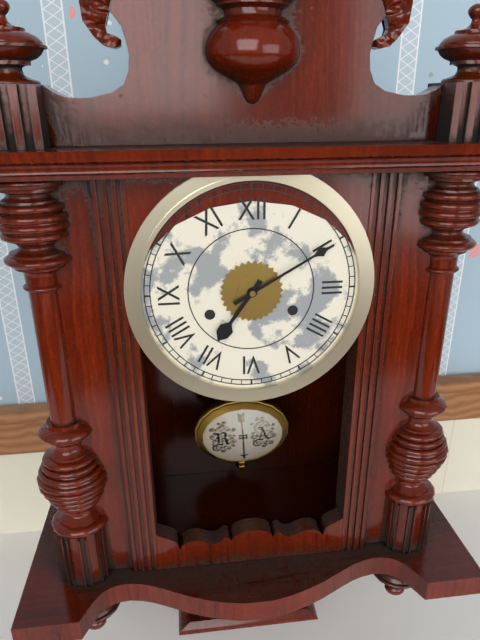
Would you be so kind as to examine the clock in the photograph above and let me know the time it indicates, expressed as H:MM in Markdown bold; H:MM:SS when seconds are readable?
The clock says **7:10**
